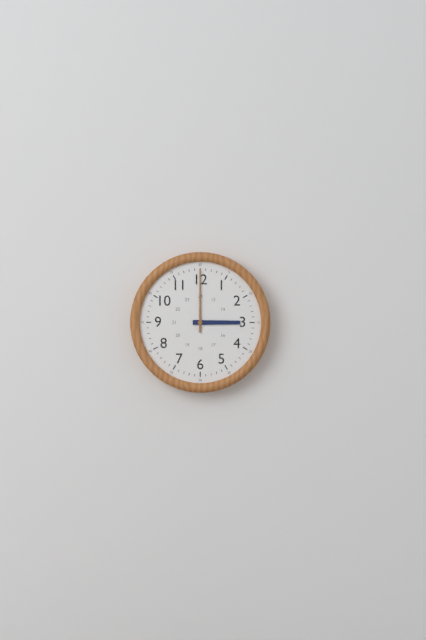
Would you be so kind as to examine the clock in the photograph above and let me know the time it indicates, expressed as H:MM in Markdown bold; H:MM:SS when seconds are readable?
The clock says **3:00**
